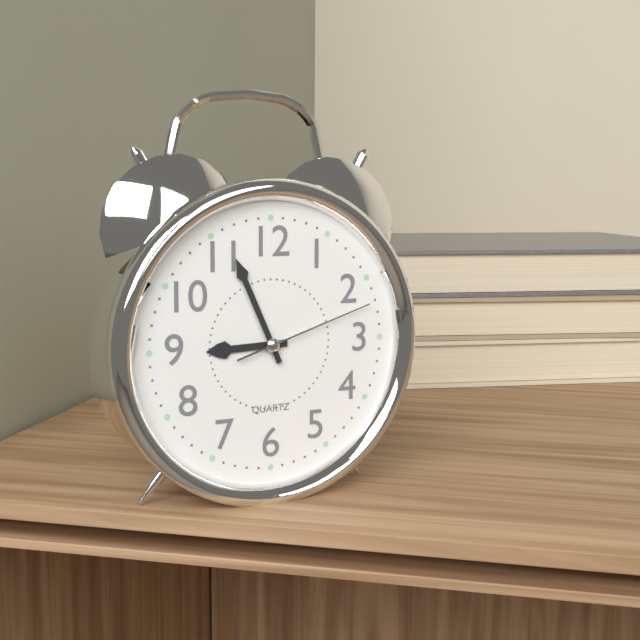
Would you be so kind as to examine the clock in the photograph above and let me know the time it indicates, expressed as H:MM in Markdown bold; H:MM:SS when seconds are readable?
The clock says **8:56:12**
